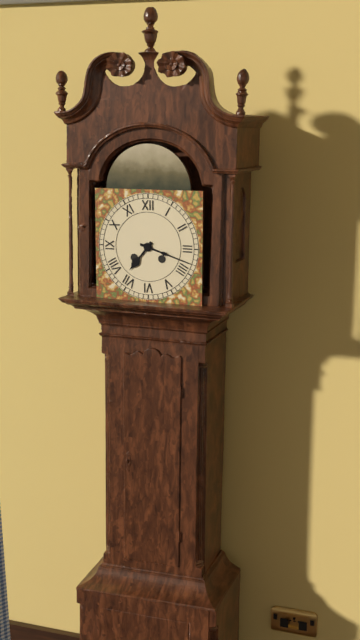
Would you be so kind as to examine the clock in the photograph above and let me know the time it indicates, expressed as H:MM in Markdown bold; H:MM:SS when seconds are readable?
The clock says **7:18**
